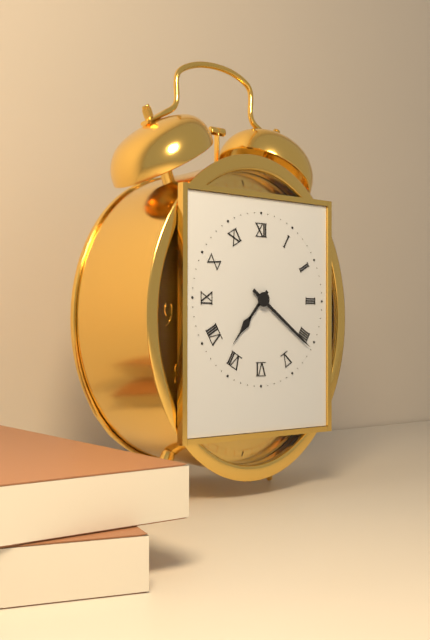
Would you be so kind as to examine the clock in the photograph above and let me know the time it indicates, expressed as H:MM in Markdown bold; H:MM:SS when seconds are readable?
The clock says **7:21**
